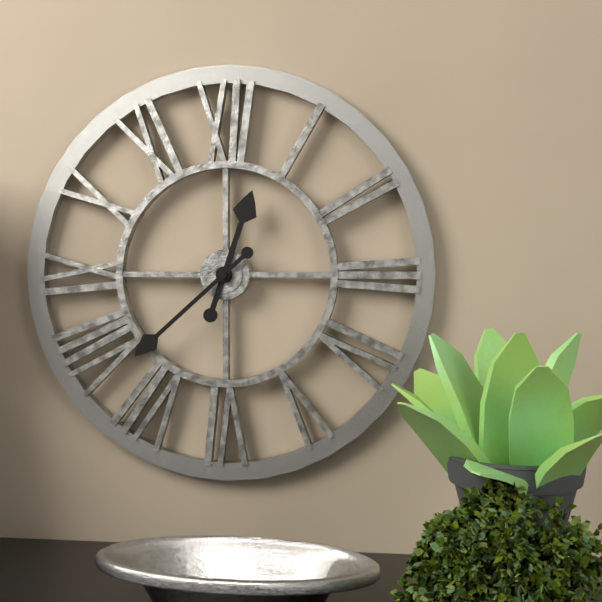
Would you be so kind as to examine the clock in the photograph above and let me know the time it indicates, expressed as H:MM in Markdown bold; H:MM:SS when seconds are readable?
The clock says **12:38**
